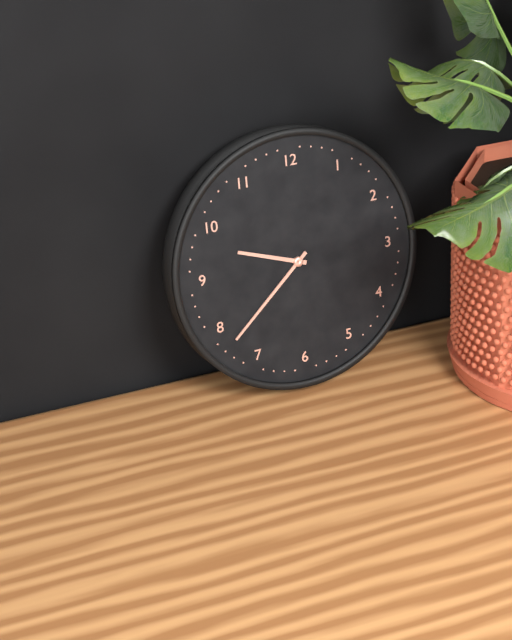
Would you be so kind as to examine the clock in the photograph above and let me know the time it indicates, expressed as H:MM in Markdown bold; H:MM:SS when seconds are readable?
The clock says **9:38**
